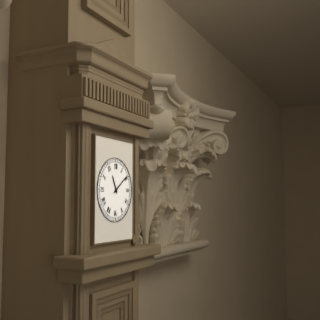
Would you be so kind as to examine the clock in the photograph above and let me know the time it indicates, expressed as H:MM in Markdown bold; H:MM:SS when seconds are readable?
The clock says **11:09**
